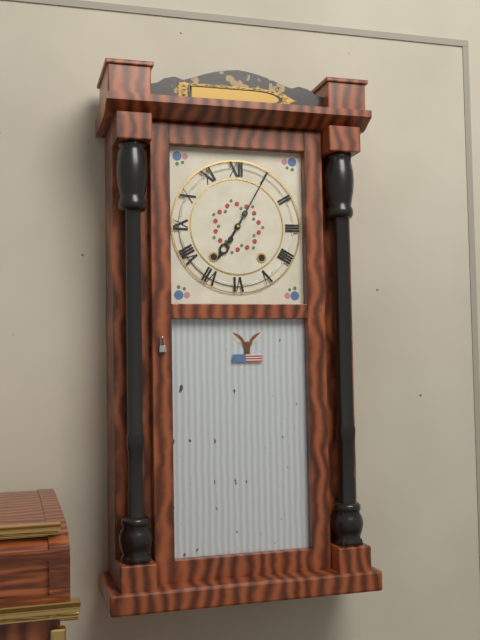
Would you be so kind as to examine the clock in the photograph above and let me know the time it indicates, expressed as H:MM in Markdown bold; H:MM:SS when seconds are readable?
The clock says **7:05**
